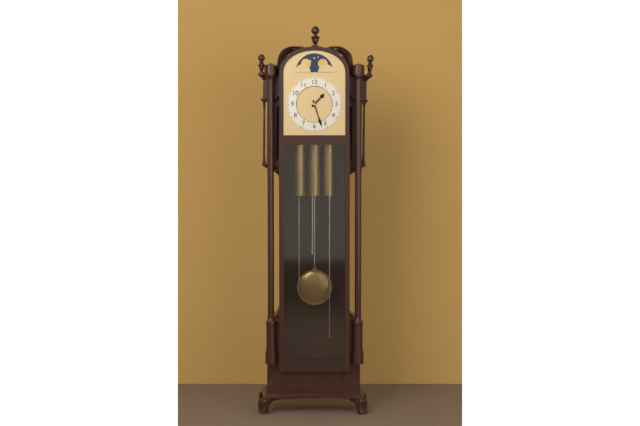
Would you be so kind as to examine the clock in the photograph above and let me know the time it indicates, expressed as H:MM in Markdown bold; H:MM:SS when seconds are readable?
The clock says **1:27**
